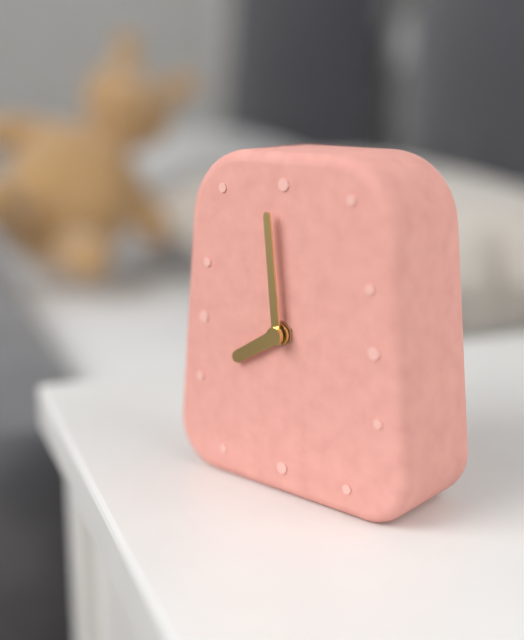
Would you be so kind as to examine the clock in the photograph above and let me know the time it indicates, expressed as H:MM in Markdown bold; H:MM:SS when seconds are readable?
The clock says **7:59**
